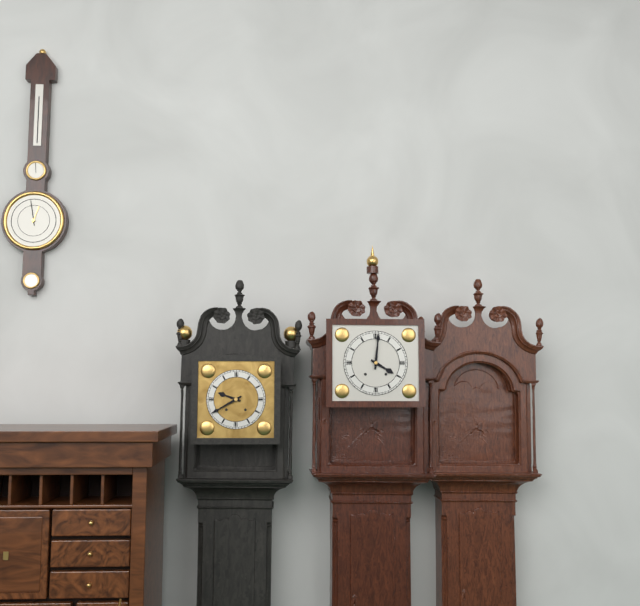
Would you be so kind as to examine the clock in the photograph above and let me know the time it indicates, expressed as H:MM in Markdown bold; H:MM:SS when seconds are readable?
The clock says **4:01**
